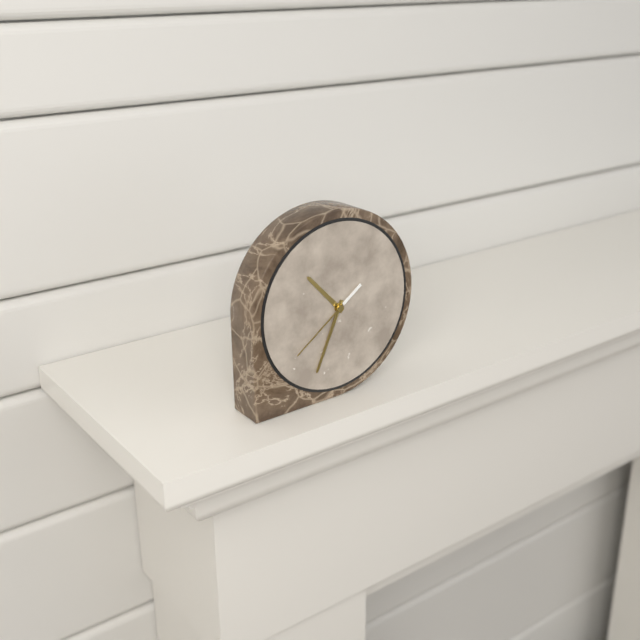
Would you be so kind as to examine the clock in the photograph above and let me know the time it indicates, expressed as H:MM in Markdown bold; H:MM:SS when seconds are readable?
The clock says **10:34:39**
